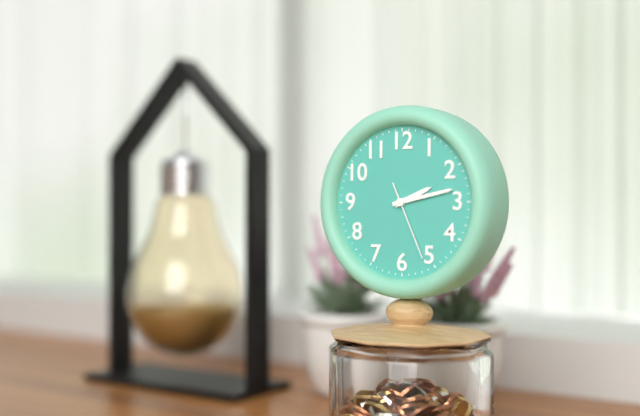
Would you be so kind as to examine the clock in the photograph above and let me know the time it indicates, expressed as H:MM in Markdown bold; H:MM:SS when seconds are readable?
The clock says **2:13:26**
